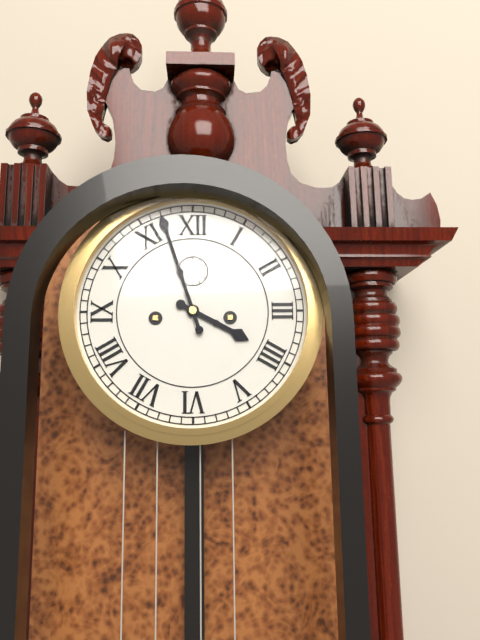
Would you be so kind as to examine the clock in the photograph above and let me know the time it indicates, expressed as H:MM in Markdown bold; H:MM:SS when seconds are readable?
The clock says **3:57**
